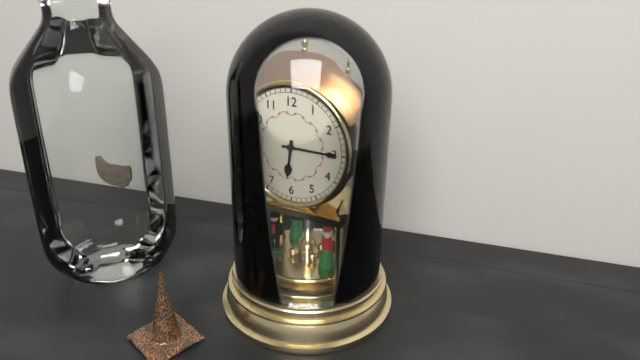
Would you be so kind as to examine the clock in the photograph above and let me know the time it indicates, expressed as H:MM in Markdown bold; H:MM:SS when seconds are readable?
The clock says **6:15**
